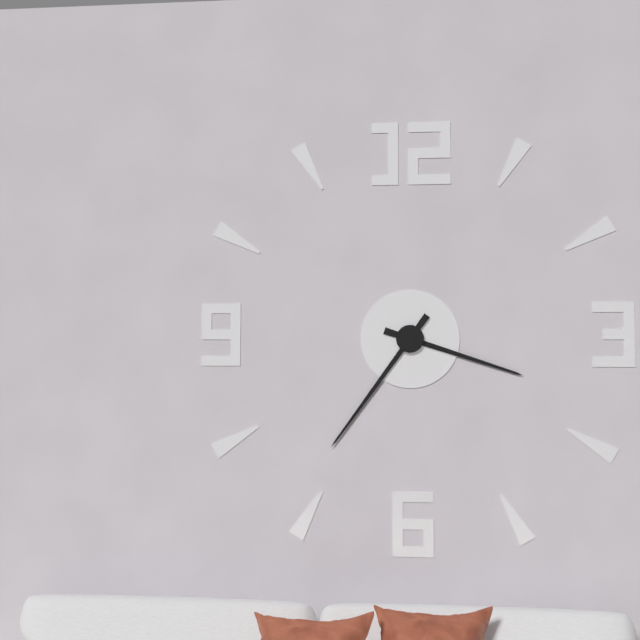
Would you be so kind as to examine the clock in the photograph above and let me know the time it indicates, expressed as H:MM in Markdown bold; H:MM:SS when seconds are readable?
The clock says **3:36**
